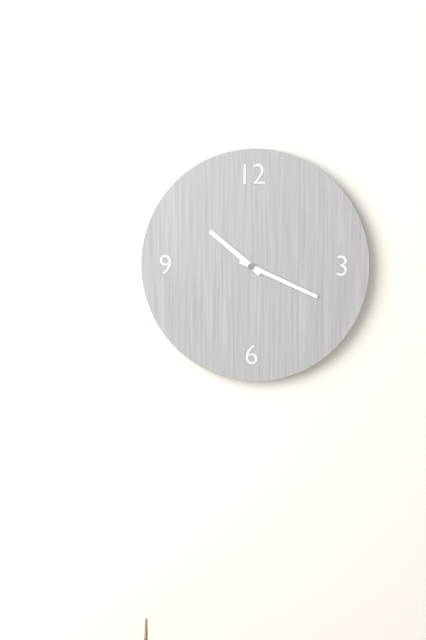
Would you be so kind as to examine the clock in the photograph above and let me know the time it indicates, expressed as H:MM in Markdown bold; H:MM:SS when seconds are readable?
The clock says **10:19**
